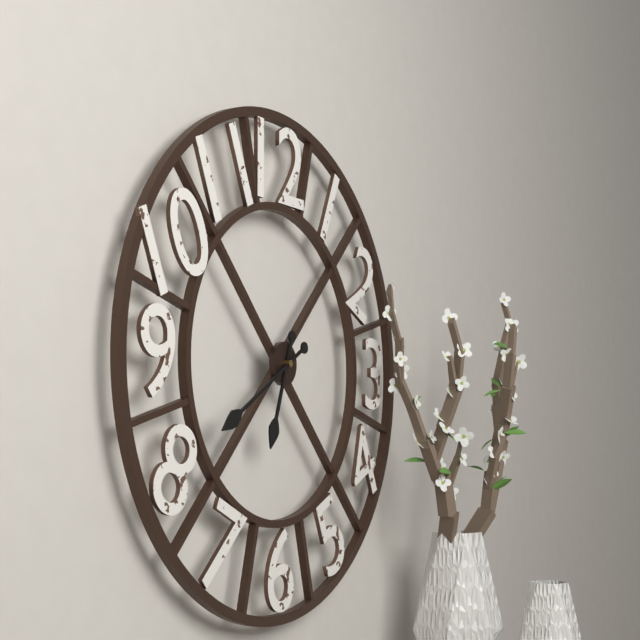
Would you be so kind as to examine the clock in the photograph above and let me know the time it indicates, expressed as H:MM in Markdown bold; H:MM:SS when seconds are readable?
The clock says **6:40**
